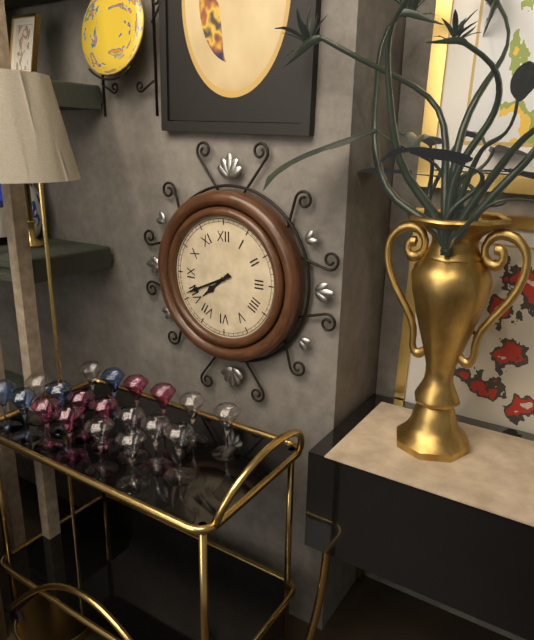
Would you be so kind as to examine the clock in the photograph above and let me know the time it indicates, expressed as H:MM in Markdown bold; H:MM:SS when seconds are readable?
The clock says **7:41**
